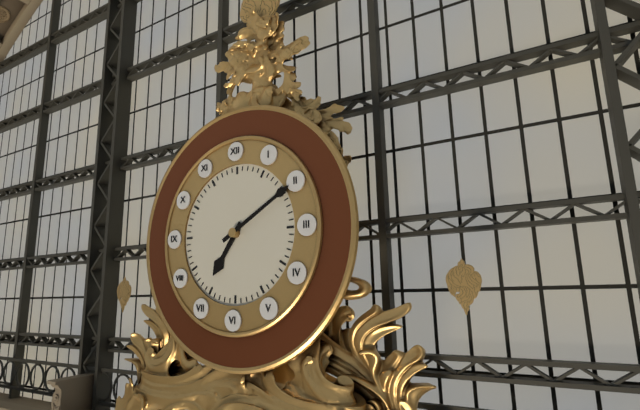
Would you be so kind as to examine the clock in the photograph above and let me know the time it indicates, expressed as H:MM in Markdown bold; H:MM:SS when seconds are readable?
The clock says **7:10**
